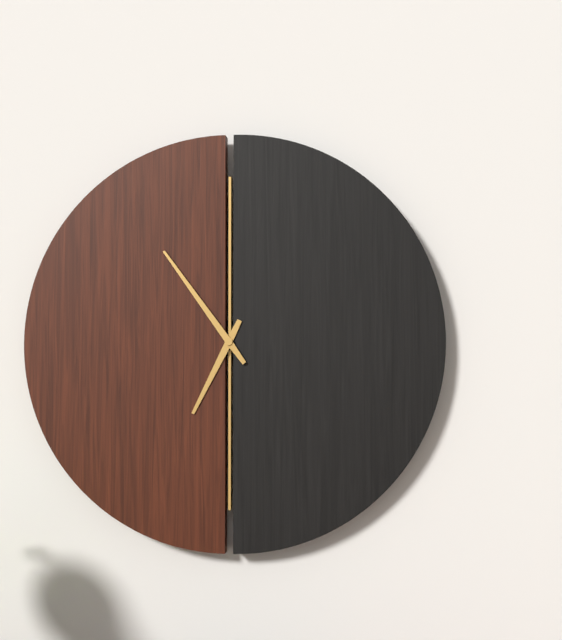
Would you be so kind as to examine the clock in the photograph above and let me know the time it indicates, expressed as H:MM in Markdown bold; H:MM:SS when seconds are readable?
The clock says **6:54**
